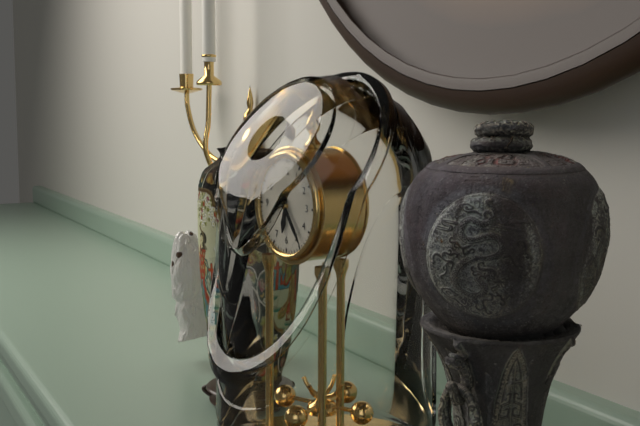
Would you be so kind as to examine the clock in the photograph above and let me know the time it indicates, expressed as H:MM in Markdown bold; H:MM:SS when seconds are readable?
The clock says **6:24**
